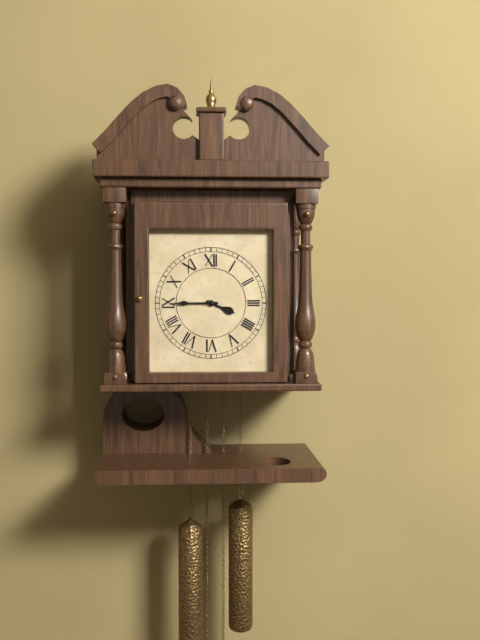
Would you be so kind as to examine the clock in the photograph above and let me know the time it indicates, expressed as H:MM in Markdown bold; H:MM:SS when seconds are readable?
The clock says **3:45**
